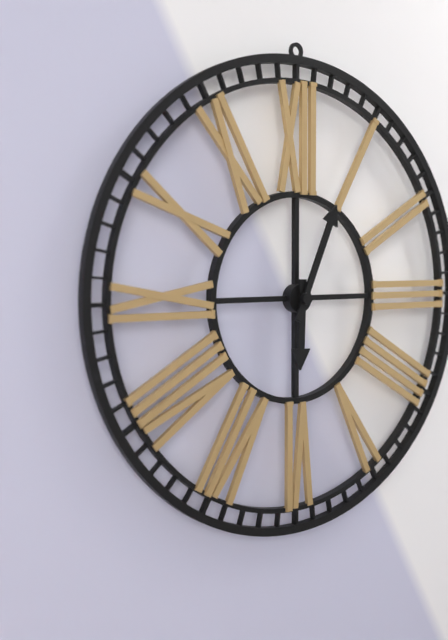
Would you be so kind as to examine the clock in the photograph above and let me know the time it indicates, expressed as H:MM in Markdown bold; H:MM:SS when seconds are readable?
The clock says **6:04**
